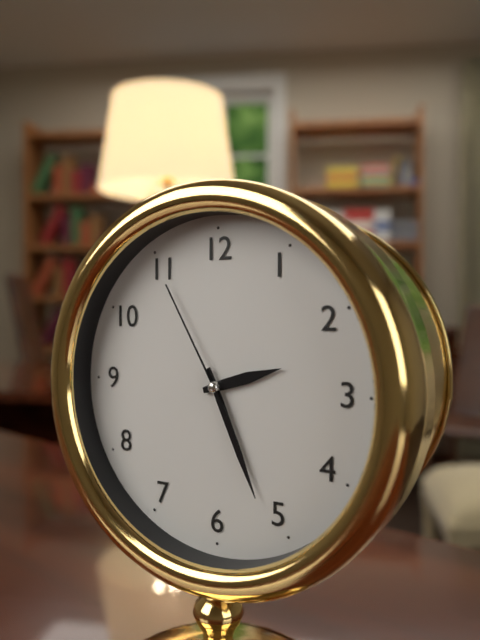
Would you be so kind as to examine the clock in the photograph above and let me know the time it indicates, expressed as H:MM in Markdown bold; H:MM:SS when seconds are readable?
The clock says **2:26:55**
